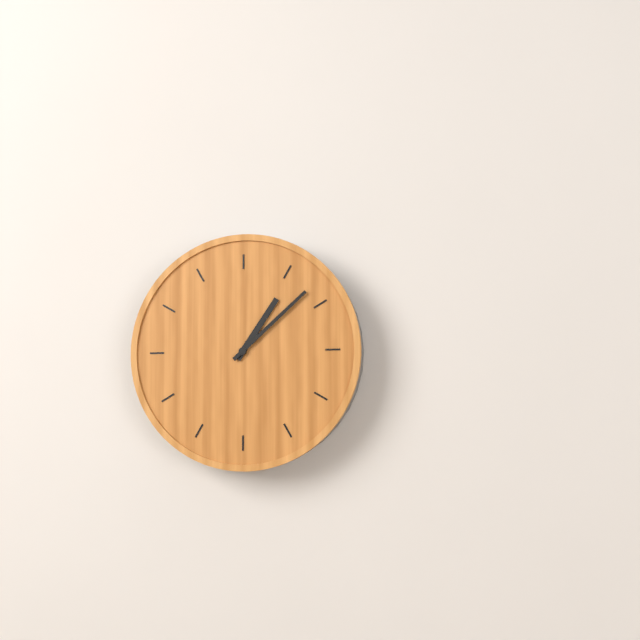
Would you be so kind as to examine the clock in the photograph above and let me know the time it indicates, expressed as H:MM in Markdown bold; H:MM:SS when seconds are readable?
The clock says **1:08**
